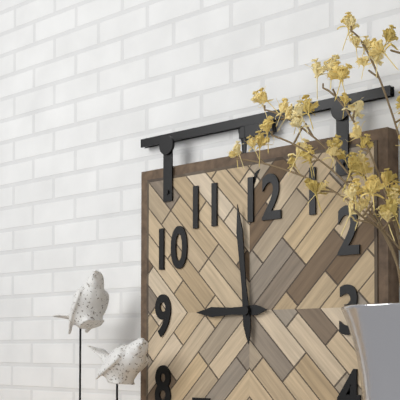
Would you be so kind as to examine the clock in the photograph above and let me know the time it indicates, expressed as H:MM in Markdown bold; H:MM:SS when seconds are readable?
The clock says **8:59**
